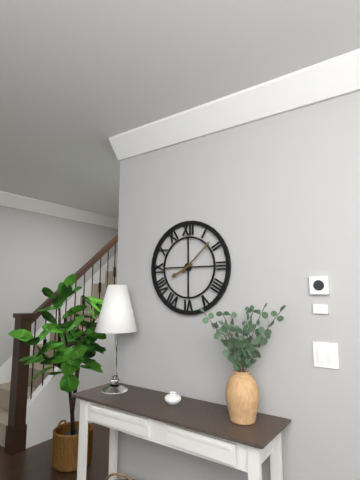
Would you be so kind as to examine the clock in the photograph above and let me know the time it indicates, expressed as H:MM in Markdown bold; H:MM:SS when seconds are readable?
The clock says **8:08**
